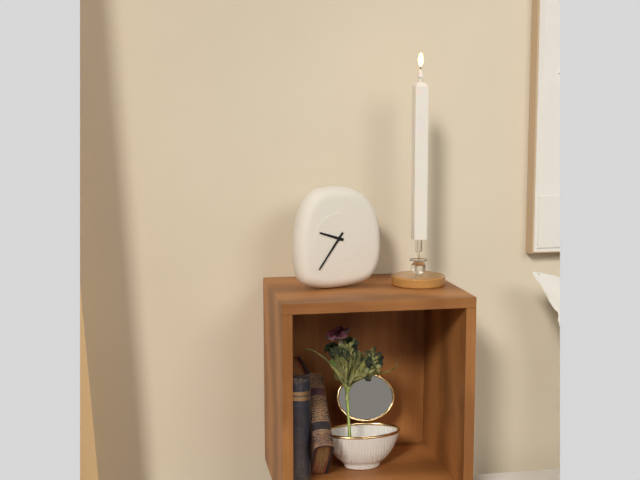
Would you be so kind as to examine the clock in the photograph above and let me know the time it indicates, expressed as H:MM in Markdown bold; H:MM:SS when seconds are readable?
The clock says **9:36**
